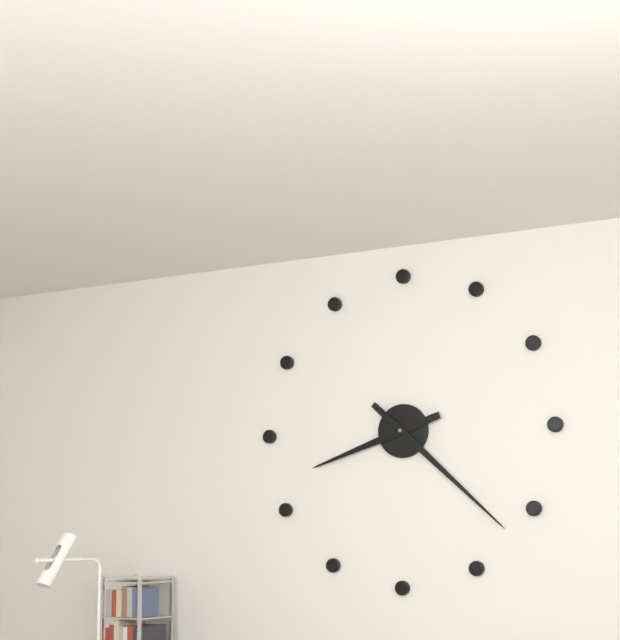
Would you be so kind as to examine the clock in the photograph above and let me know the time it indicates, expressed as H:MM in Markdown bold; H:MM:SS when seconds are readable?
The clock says **8:22**
